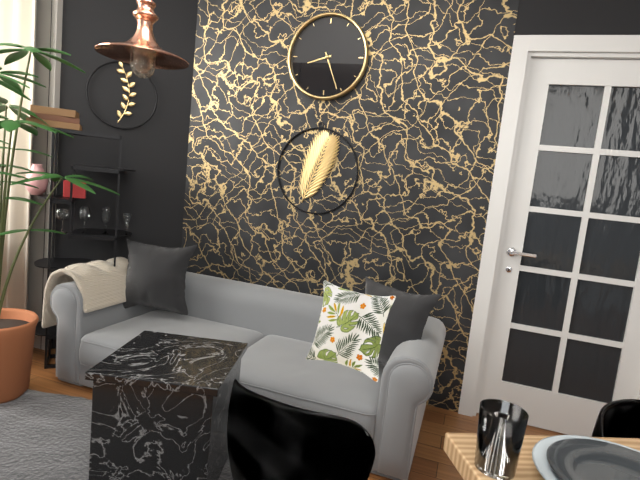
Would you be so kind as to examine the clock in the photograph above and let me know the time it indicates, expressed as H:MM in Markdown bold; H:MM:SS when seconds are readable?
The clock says **8:26**
